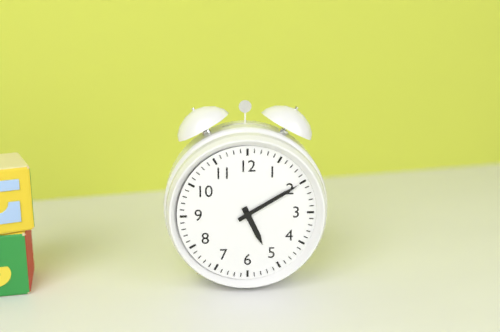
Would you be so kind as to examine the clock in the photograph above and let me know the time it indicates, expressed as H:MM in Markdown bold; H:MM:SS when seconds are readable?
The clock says **5:10**
